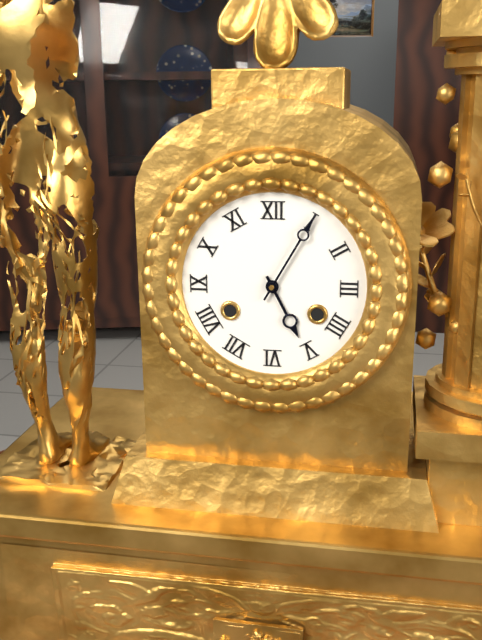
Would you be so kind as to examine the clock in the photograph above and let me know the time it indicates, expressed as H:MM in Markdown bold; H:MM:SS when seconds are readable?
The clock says **5:05**
